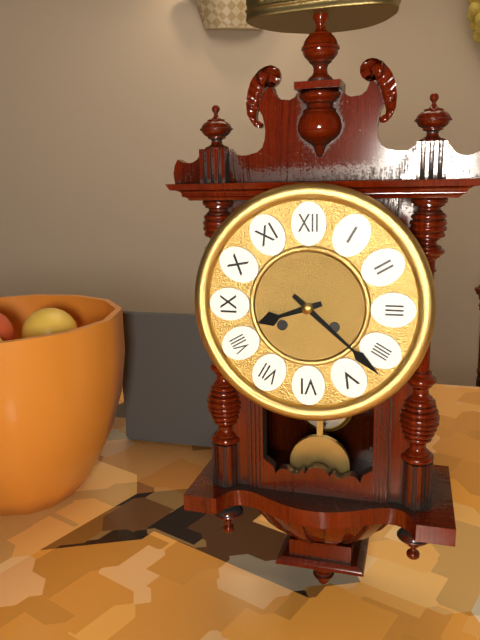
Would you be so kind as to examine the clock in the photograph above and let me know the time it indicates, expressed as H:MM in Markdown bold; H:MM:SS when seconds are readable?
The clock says **8:22**
